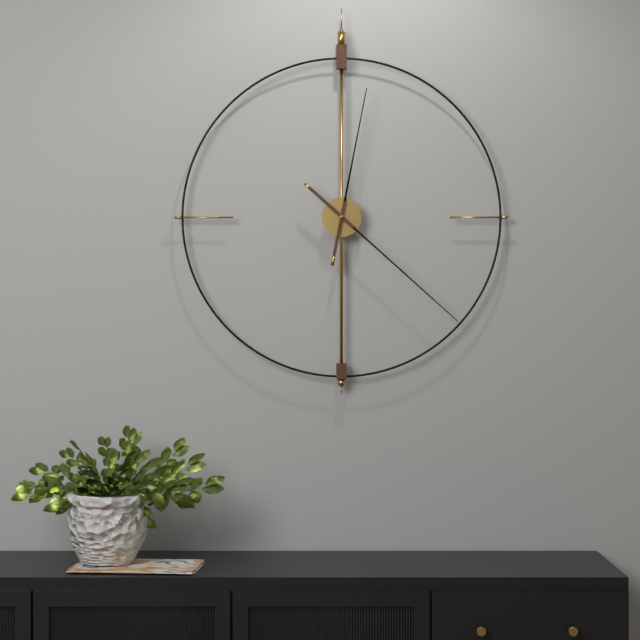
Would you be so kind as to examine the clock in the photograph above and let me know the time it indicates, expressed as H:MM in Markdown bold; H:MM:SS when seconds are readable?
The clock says **12:22**
